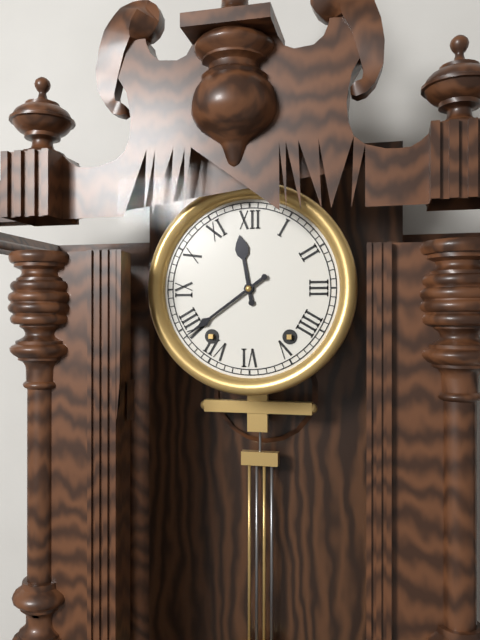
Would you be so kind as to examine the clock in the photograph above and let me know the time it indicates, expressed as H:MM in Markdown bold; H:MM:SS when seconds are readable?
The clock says **11:39**
